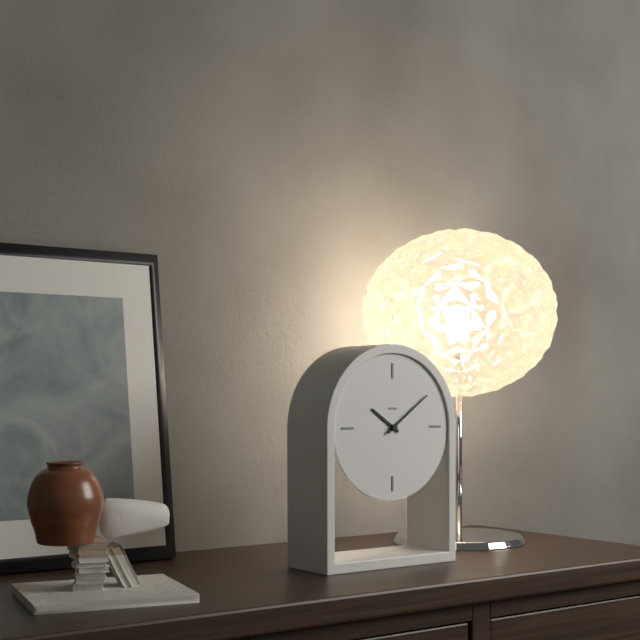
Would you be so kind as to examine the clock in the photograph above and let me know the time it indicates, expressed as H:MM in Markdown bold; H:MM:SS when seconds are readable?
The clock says **10:09**
